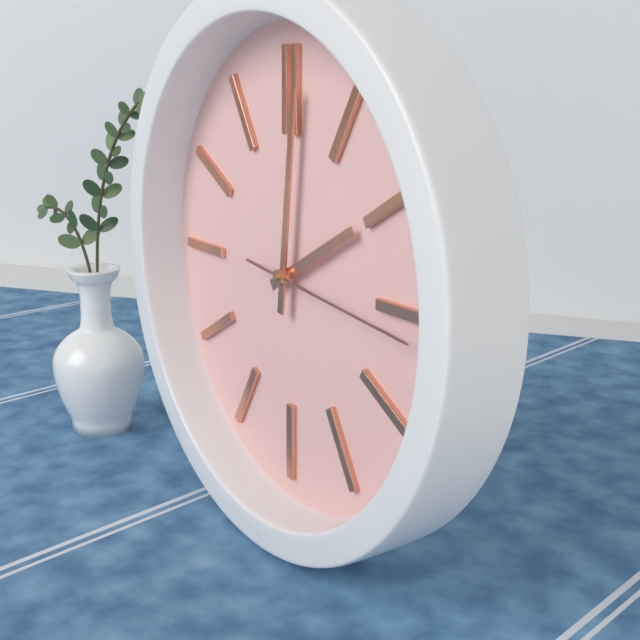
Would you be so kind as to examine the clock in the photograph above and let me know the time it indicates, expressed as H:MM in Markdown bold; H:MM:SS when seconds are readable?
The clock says **2:01:16**
